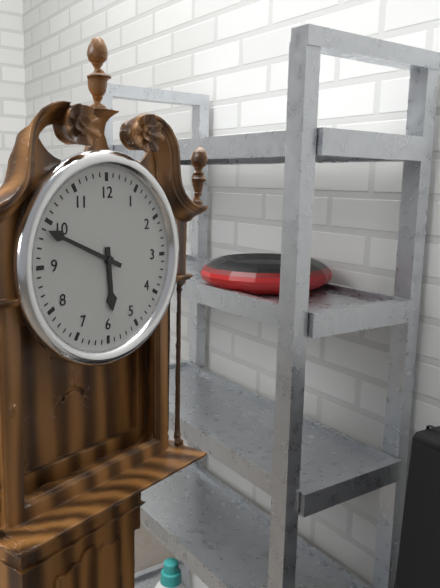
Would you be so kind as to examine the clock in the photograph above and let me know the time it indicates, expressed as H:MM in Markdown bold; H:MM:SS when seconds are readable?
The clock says **5:49**
